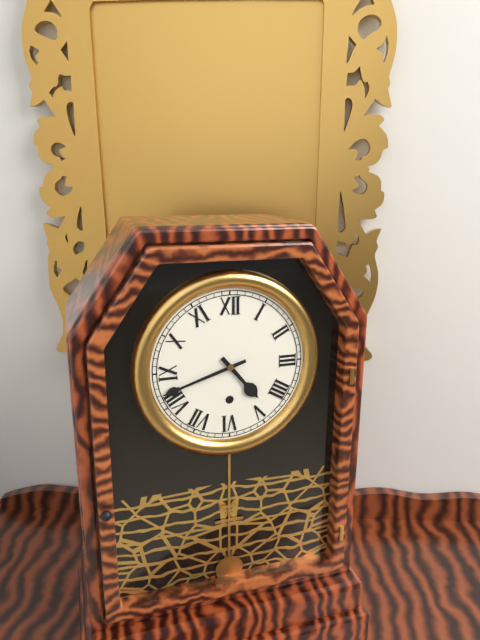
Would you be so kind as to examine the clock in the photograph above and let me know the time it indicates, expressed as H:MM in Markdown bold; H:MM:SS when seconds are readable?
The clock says **4:42**
